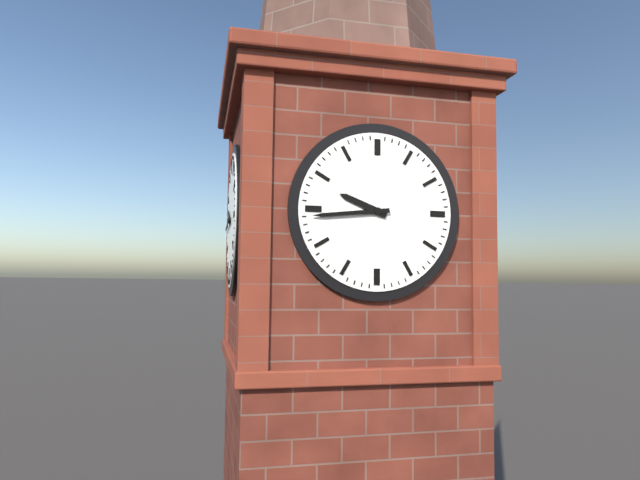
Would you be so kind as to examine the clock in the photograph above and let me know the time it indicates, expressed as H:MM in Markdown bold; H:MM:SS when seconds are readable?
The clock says **9:44**
